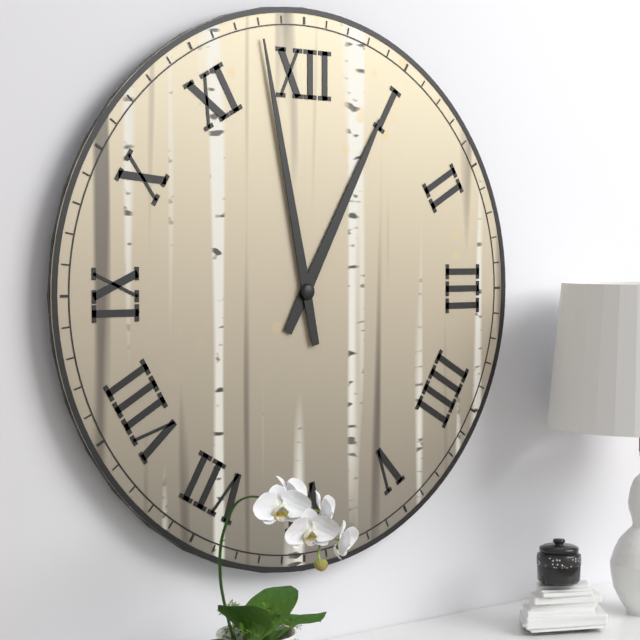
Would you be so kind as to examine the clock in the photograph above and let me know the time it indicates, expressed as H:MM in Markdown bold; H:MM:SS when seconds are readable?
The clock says **12:58**
